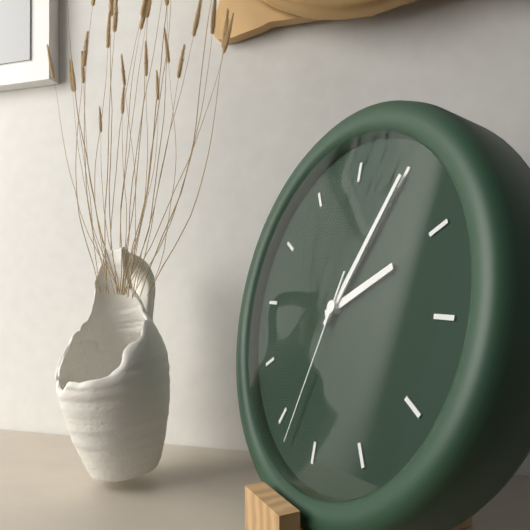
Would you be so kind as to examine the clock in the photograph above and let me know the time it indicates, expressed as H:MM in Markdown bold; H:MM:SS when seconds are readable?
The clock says **2:05:33**
